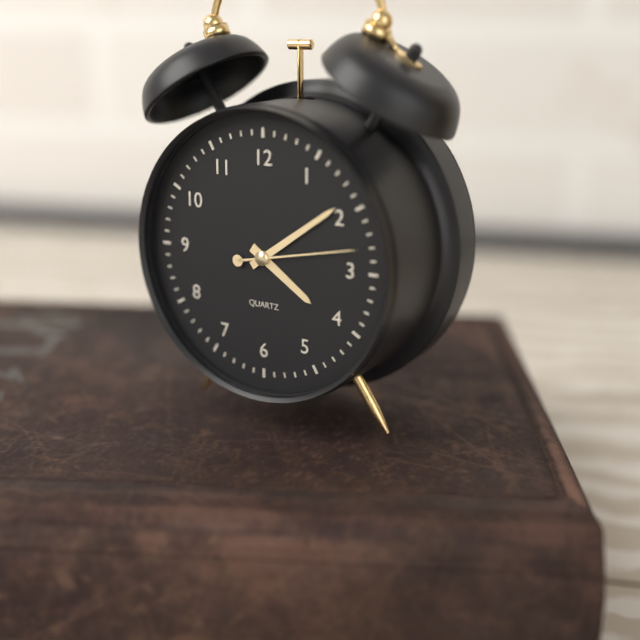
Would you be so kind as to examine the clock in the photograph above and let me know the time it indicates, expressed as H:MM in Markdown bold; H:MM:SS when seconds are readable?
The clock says **4:09:13**
